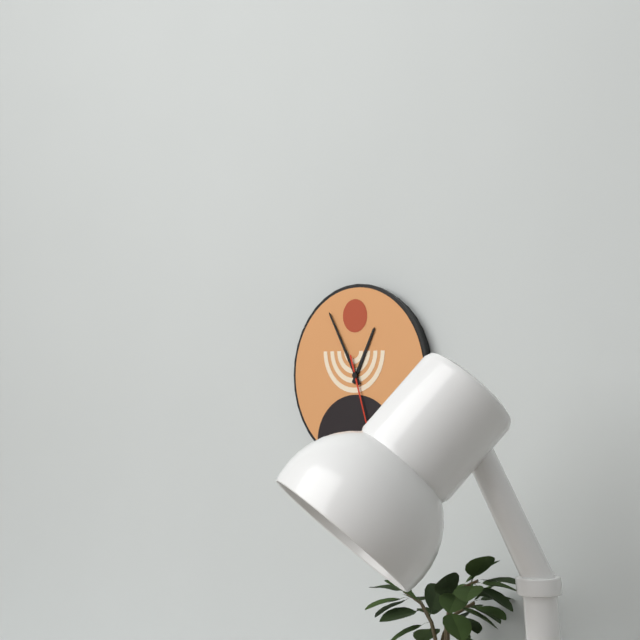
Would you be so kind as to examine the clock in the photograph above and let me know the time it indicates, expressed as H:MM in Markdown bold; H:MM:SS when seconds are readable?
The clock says **12:55:27**
